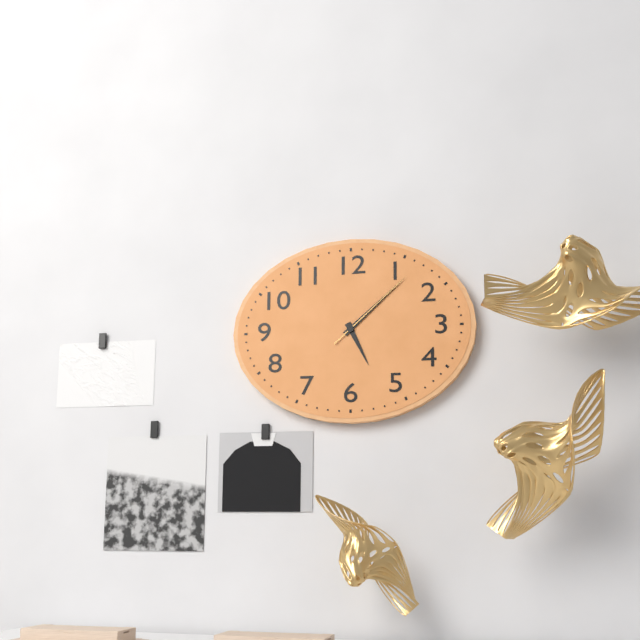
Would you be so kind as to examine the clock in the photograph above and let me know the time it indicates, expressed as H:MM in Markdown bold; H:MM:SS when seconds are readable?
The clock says **5:08:08**
